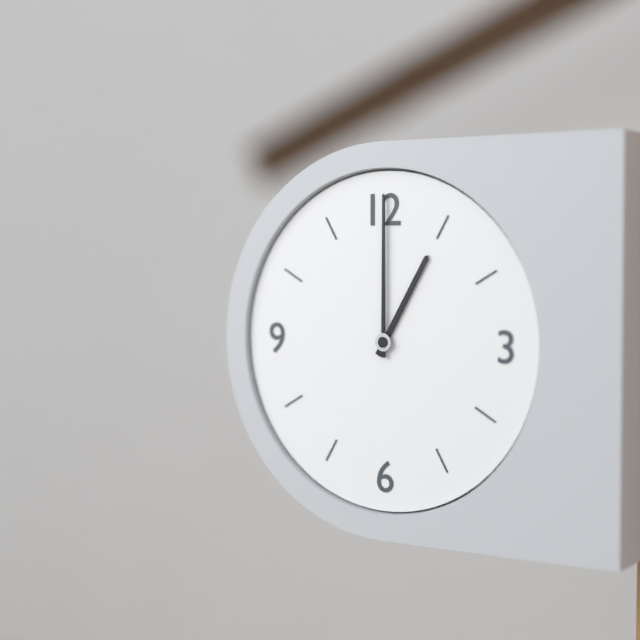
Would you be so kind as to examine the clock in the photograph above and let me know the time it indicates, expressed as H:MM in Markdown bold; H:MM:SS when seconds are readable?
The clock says **1:00**
